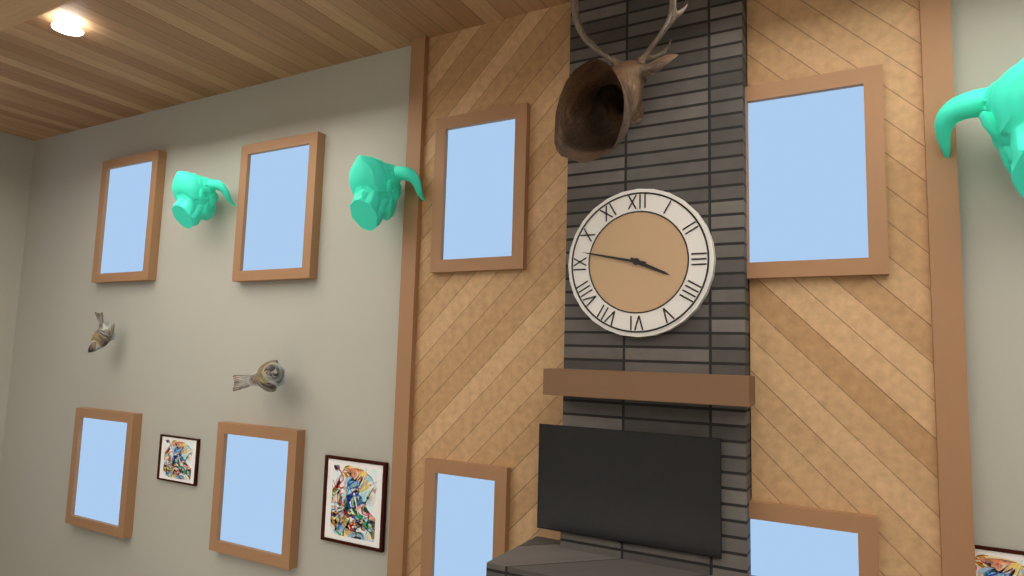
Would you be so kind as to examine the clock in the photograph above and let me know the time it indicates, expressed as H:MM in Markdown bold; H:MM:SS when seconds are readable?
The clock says **3:47**
